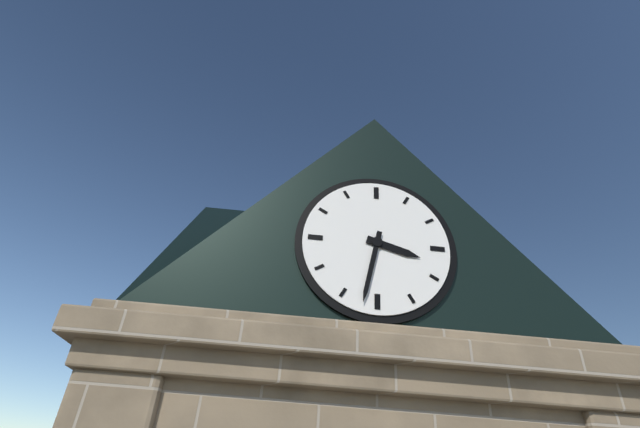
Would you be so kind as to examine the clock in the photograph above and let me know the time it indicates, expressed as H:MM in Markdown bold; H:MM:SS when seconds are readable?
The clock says **3:32**
